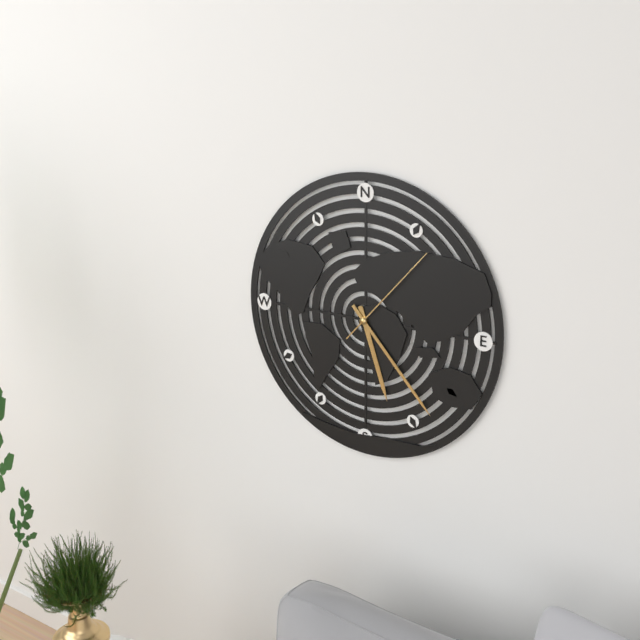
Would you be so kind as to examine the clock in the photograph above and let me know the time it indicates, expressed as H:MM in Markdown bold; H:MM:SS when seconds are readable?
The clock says **5:23:07**
